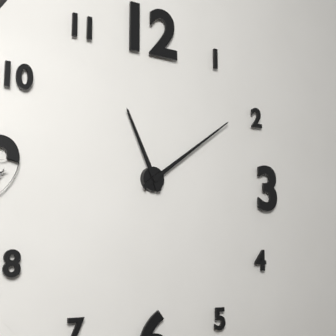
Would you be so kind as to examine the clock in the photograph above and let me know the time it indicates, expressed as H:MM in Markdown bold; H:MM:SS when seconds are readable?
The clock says **11:09**
